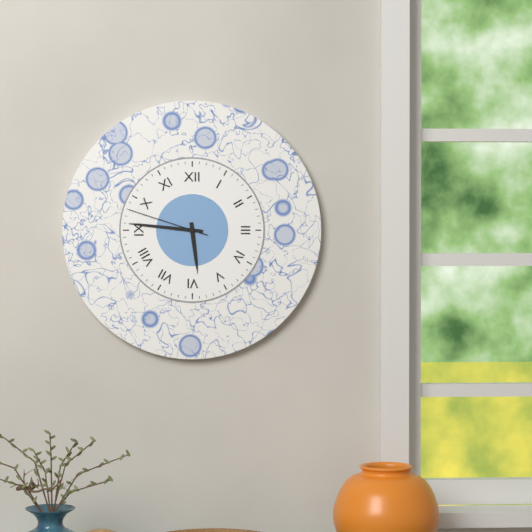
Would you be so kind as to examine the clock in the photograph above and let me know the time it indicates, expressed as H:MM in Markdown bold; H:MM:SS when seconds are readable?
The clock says **5:46:48**
